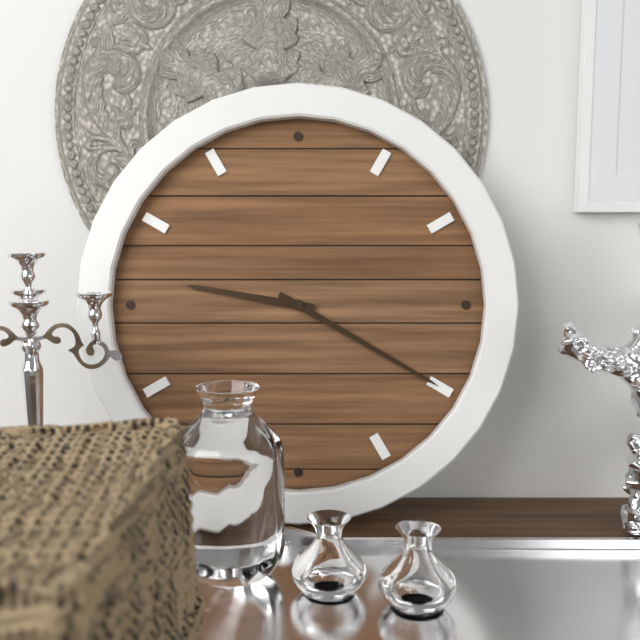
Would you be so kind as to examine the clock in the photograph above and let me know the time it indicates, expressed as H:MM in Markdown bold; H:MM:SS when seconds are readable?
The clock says **9:20**
